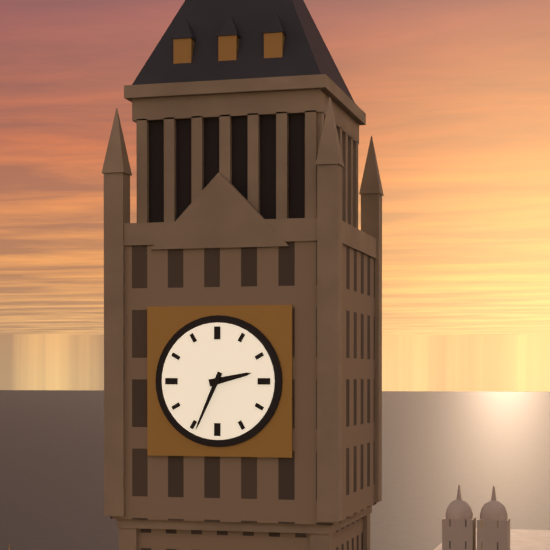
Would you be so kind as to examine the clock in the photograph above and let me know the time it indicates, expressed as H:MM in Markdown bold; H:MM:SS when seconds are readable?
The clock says **2:34**
